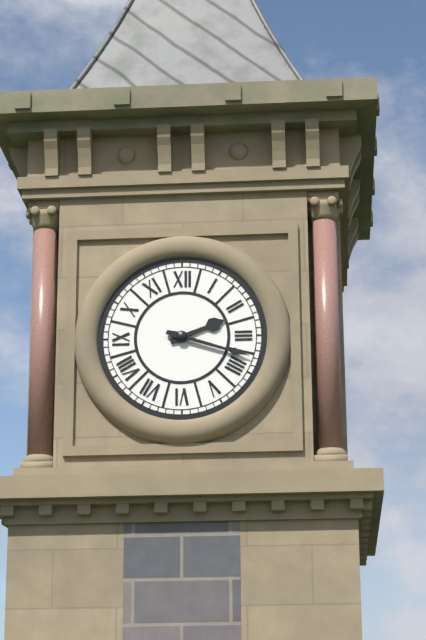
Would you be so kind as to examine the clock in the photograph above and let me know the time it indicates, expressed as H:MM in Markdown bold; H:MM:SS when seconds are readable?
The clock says **2:18**
